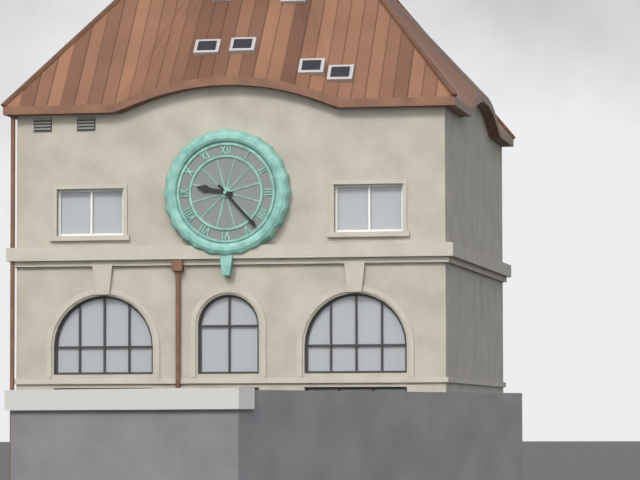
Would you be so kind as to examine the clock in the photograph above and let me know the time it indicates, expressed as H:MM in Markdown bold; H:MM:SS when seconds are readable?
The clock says **9:23**
